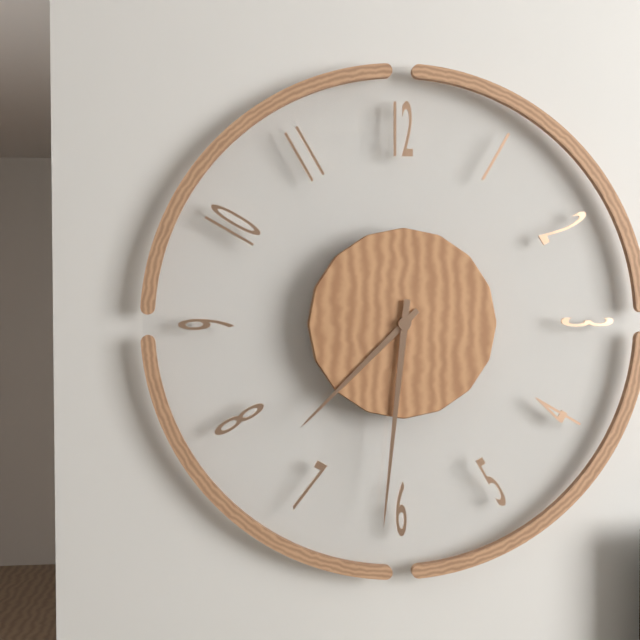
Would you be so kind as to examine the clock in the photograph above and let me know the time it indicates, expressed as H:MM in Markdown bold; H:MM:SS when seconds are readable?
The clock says **7:31**
